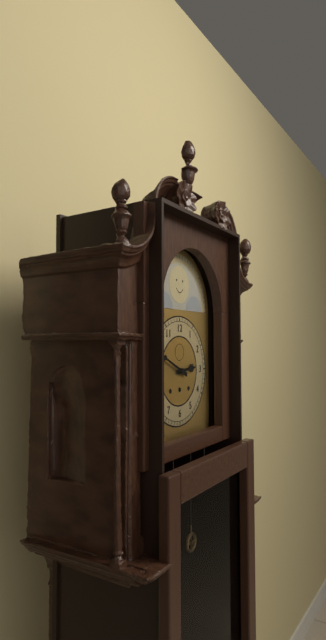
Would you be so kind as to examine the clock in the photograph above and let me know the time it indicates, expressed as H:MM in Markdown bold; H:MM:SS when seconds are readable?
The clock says **2:49**
